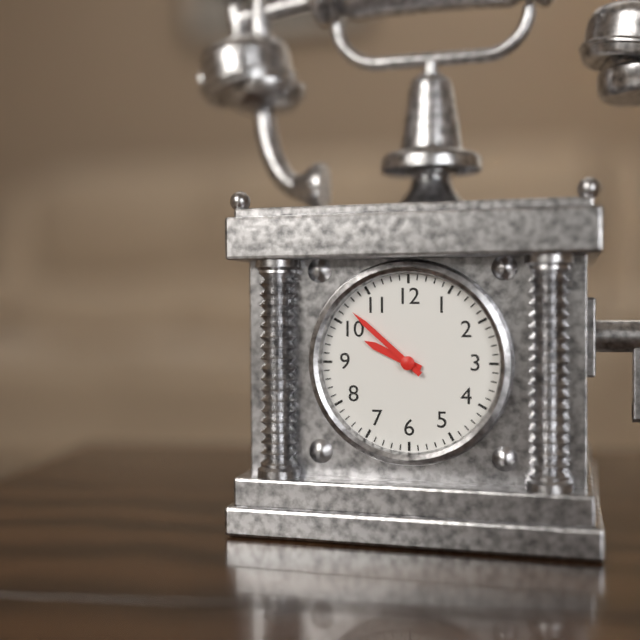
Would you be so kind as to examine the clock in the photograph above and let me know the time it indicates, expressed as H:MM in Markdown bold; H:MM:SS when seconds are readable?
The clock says **9:52**
